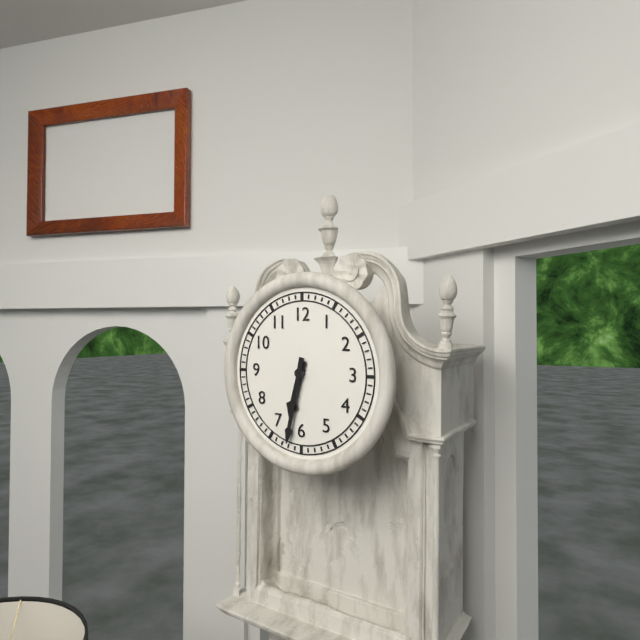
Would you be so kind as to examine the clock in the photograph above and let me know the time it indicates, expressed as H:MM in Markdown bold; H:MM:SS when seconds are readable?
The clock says **6:32**
